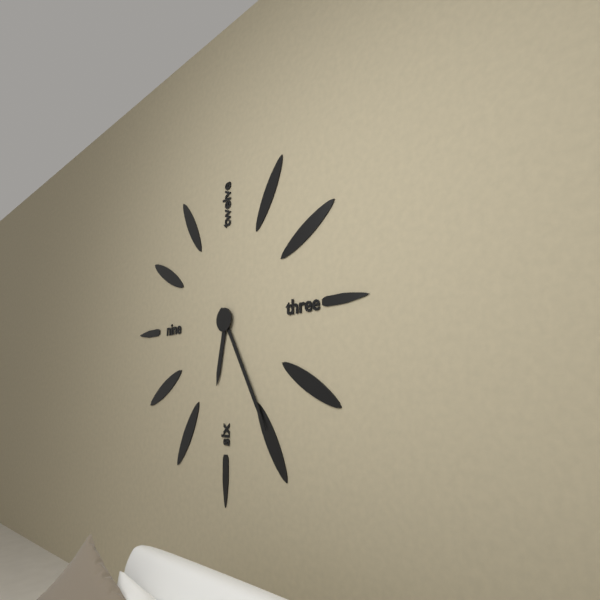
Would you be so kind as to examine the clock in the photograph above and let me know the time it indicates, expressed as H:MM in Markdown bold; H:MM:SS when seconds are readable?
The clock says **6:25**
